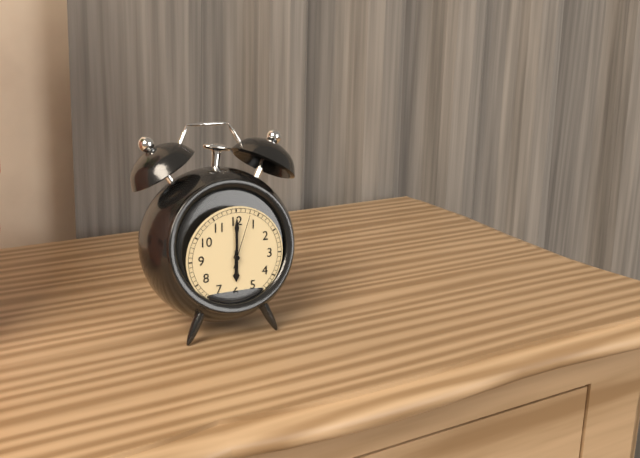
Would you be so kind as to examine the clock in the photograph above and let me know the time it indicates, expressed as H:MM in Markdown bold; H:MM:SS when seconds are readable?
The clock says **6:00:03**
